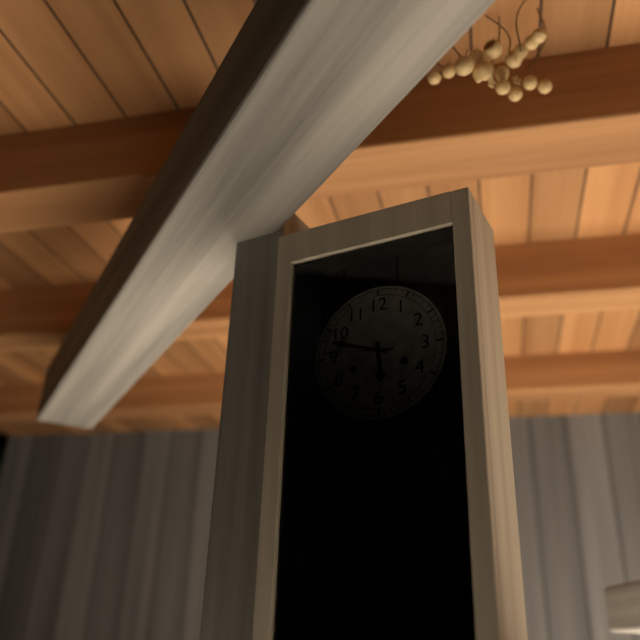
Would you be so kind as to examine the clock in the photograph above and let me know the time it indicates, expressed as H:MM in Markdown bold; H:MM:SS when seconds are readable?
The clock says **5:48:46**
